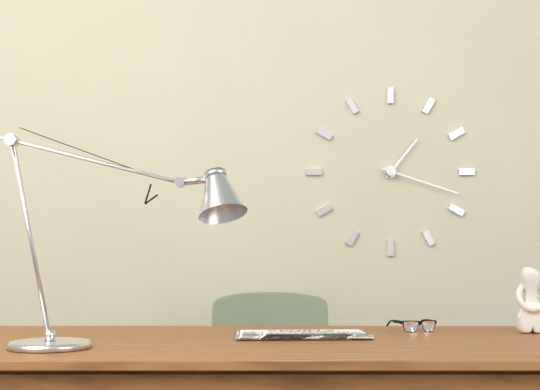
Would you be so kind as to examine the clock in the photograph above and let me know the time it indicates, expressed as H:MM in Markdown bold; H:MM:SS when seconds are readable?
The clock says **1:18**
